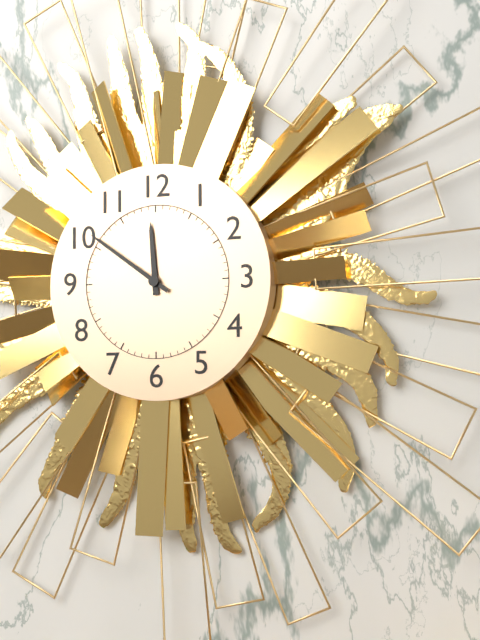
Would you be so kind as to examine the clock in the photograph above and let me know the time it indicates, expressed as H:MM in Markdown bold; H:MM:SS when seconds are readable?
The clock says **11:51**
